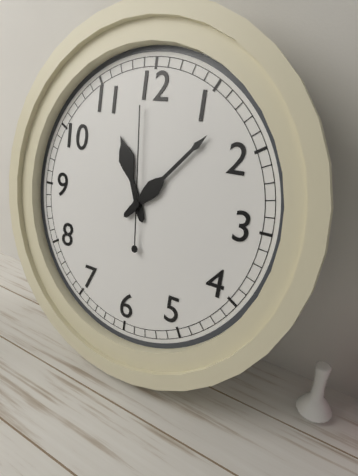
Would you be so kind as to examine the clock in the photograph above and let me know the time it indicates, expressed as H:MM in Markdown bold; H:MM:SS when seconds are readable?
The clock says **11:07:59**
